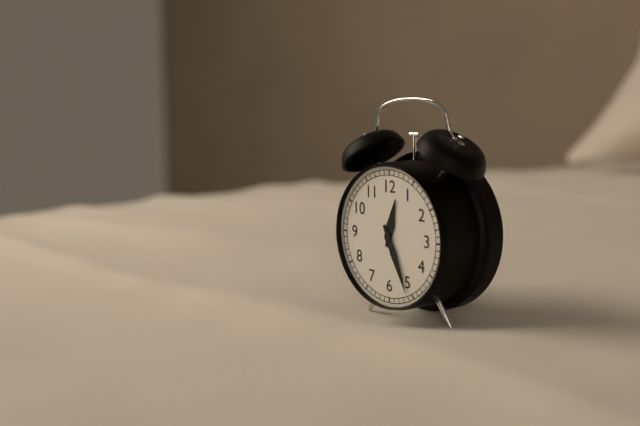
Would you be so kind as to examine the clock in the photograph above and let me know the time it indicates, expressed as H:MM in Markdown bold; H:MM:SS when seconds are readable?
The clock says **12:26**
